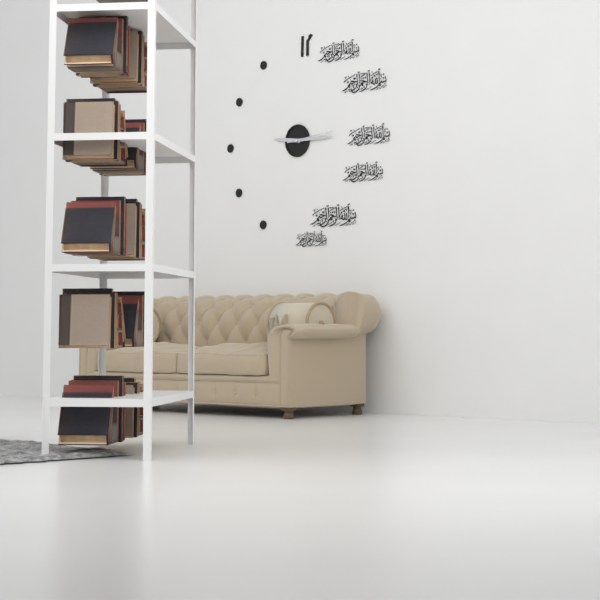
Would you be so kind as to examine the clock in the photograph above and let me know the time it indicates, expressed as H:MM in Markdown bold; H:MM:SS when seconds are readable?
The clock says **9:15**
